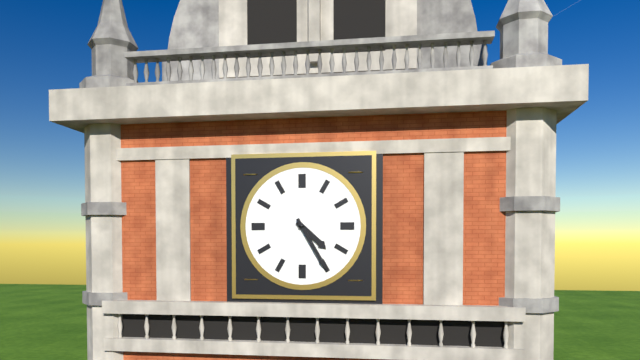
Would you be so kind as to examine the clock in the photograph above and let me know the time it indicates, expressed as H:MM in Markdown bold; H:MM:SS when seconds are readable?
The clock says **4:25**
